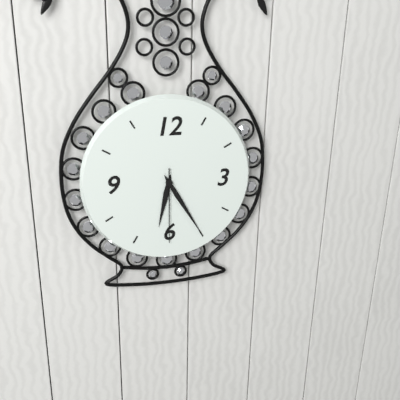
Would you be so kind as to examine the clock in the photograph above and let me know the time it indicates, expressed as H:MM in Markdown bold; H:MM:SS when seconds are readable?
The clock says **6:25:30**
